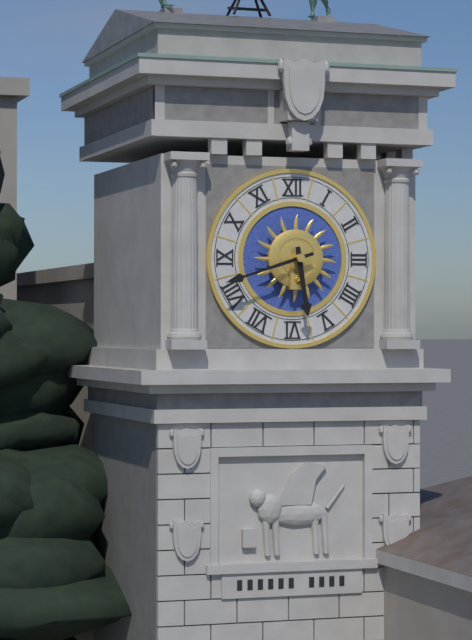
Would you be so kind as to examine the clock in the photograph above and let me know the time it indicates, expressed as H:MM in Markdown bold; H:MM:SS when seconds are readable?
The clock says **5:42**
